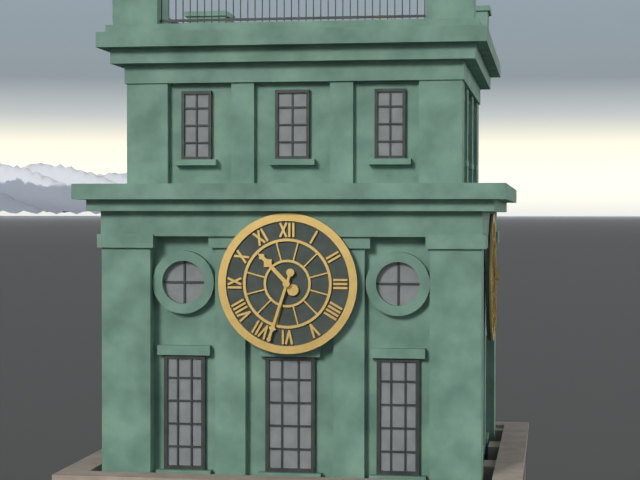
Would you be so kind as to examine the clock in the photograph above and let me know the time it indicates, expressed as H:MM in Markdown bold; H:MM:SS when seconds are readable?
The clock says **10:33**
